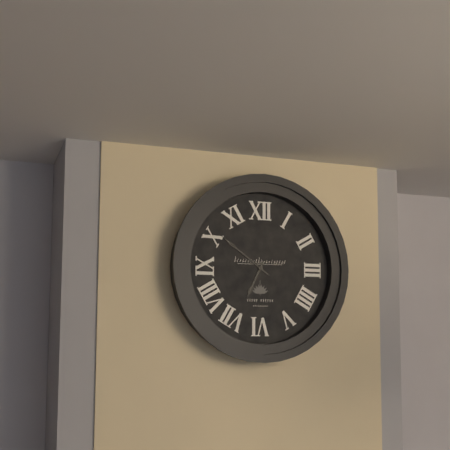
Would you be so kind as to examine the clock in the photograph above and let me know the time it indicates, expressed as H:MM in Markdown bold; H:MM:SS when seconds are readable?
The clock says **6:51**
